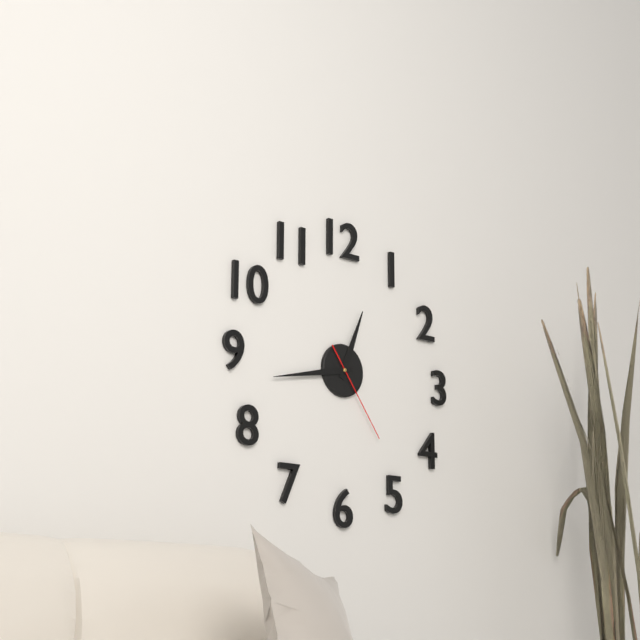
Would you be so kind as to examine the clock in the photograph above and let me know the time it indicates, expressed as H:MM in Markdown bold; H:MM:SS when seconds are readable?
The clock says **12:43:24**
